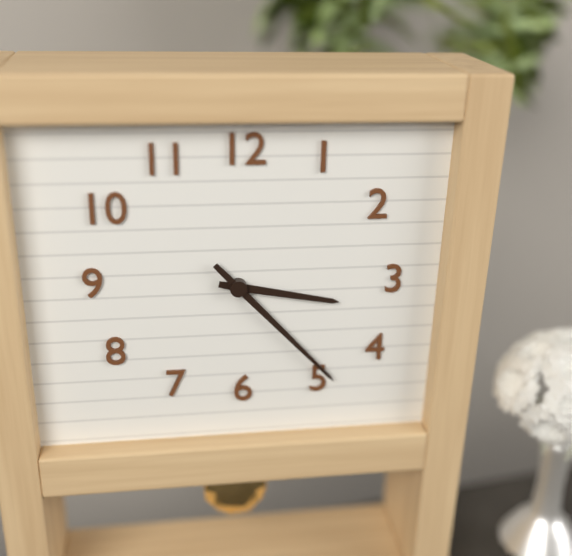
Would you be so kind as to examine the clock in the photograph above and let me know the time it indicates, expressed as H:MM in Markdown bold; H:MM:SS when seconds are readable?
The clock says **3:23**
